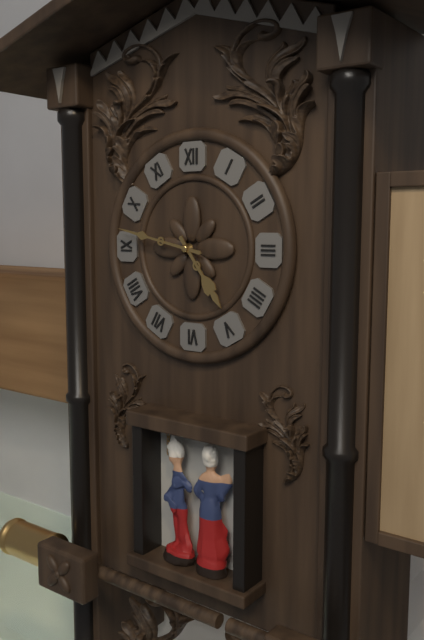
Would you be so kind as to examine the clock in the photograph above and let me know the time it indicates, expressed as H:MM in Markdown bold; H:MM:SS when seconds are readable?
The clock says **4:47**
